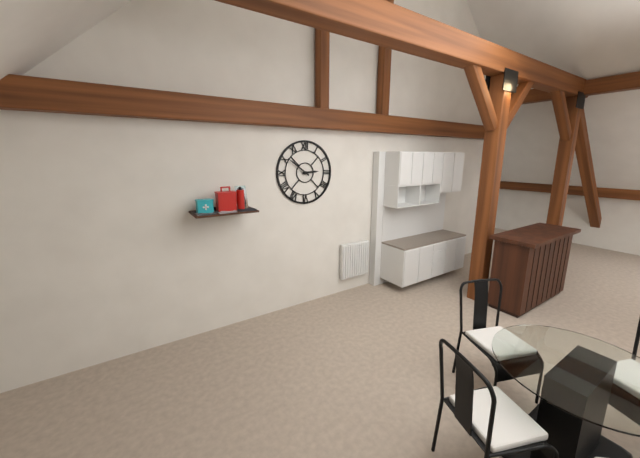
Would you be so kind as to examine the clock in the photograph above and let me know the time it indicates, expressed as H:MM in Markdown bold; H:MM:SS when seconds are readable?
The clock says **2:51**
